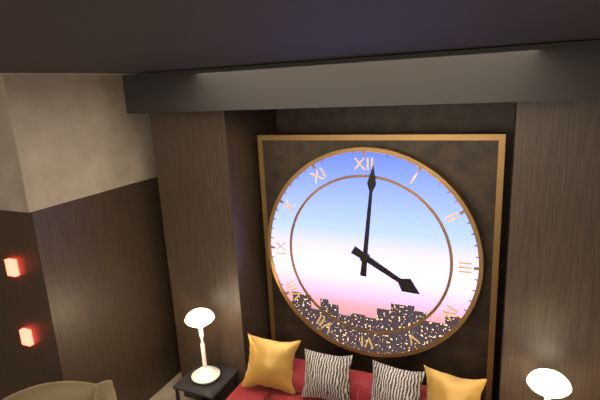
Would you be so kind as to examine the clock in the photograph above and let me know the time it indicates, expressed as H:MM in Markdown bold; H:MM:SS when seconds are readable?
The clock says **4:01**
